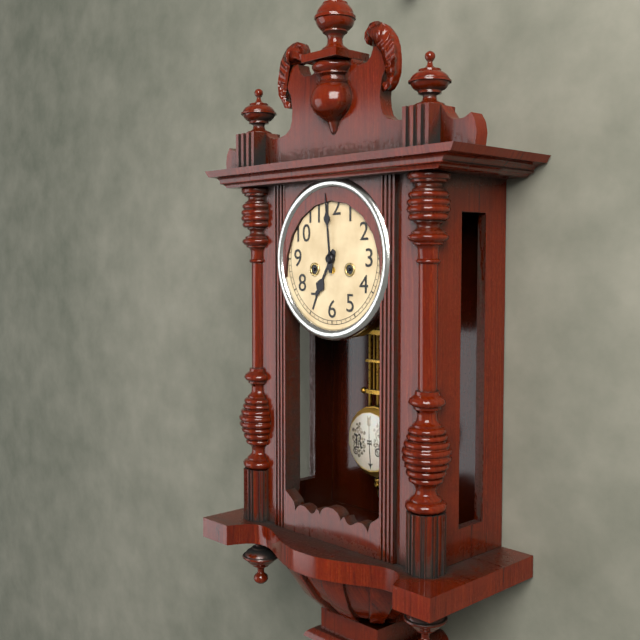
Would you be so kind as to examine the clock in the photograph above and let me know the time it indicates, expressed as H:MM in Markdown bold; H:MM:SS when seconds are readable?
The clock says **6:59**
